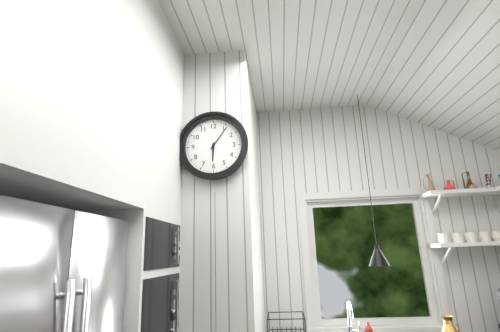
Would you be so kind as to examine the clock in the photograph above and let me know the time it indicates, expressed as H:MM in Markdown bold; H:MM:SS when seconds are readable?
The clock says **6:06**
